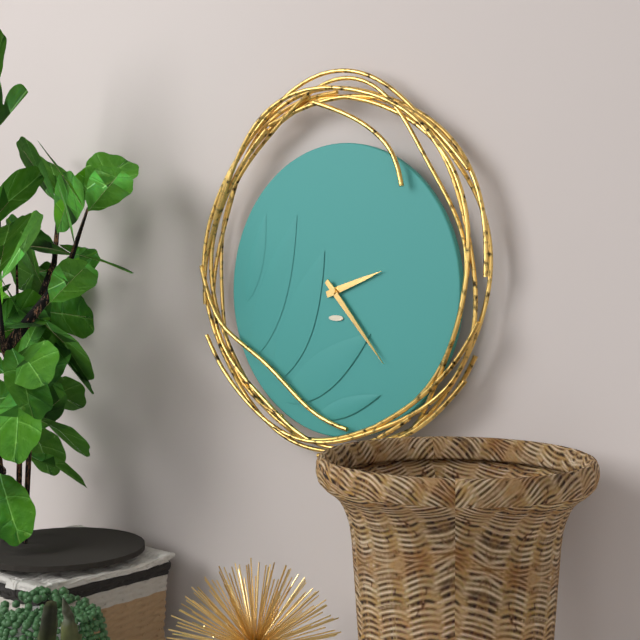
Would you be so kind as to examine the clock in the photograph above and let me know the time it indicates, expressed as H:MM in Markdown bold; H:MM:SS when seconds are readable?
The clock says **2:23**
